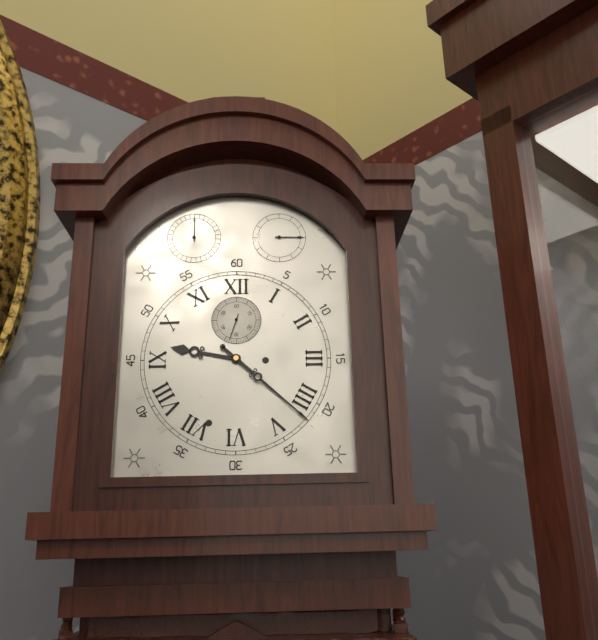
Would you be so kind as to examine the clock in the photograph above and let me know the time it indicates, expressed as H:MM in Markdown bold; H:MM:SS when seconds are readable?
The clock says **9:22**
